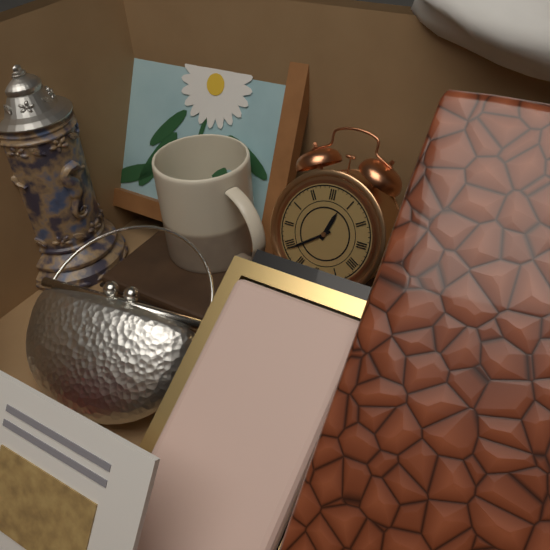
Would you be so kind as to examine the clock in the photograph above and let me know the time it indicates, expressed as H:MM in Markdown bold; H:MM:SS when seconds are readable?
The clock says **12:39**
